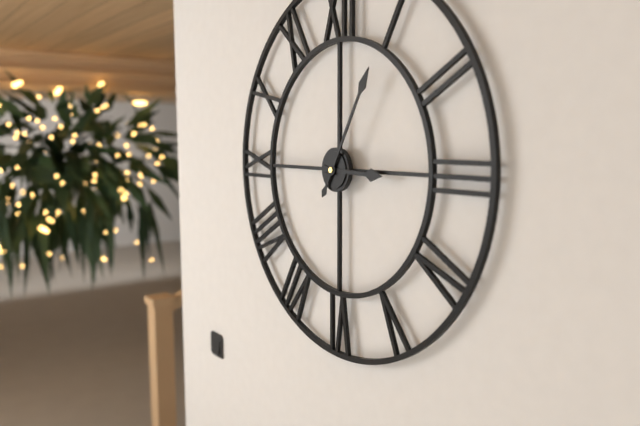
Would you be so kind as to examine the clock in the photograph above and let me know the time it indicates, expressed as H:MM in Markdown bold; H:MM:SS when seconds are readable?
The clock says **3:05**
